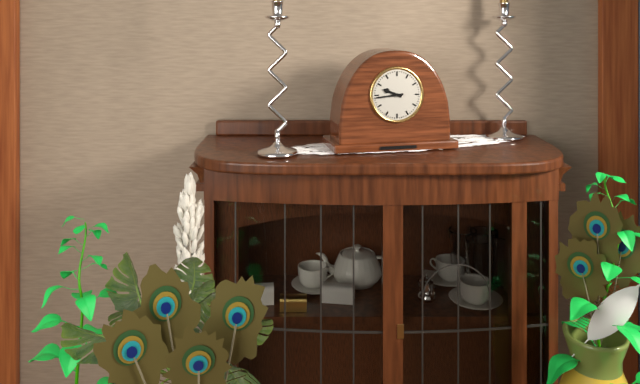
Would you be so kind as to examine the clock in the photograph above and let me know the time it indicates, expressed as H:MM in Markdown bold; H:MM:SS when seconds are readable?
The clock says **9:44**
